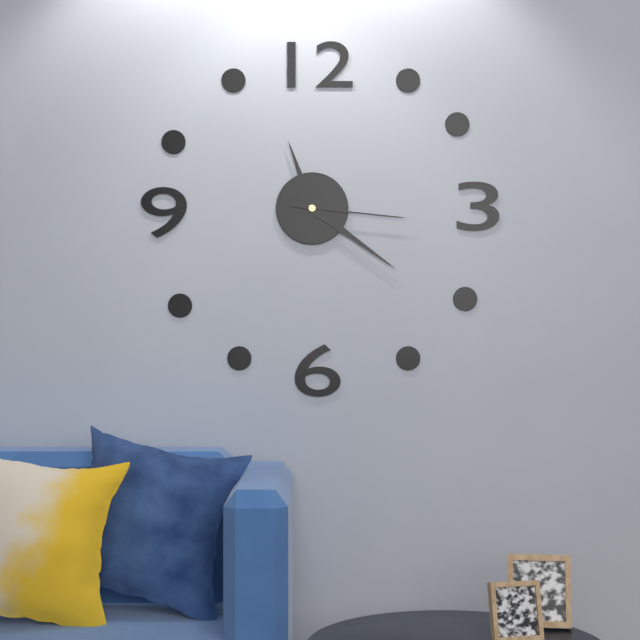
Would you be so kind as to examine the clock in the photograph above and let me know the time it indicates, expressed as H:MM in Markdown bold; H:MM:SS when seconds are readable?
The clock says **11:21:16**
